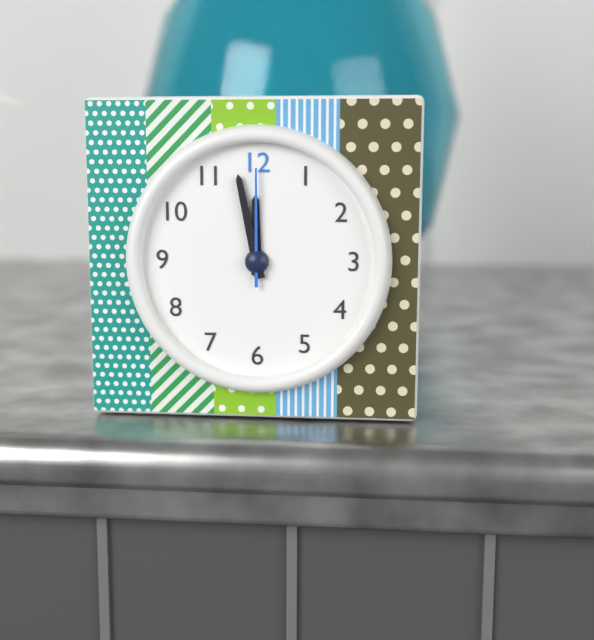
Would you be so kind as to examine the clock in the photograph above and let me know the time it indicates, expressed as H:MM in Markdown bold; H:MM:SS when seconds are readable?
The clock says **11:58:00**
